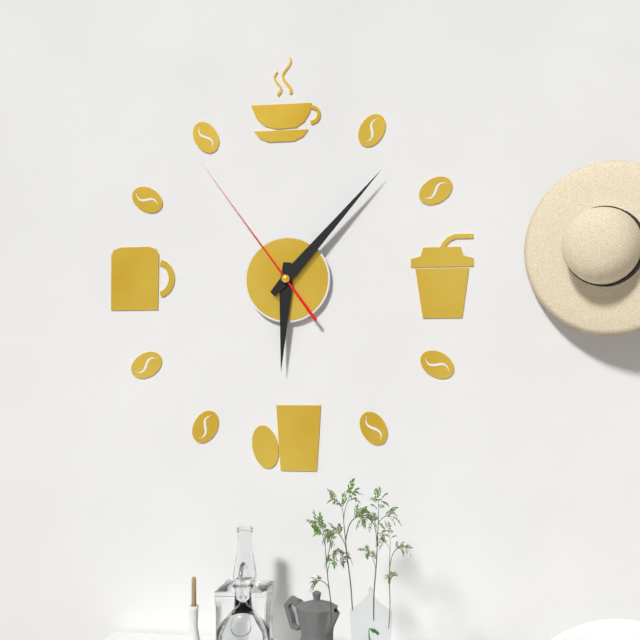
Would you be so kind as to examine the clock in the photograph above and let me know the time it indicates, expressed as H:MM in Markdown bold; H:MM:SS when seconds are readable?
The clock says **6:07:54**
